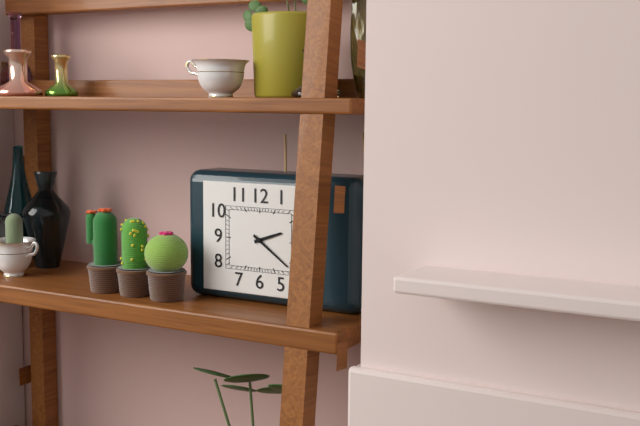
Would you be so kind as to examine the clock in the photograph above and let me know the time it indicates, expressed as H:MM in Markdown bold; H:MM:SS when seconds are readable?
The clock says **2:21**
